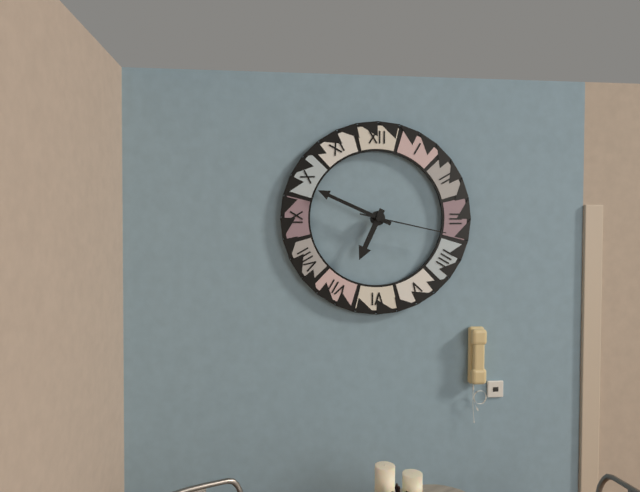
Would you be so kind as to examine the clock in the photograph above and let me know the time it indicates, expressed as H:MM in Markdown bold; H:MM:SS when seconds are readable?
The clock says **6:49:17**
